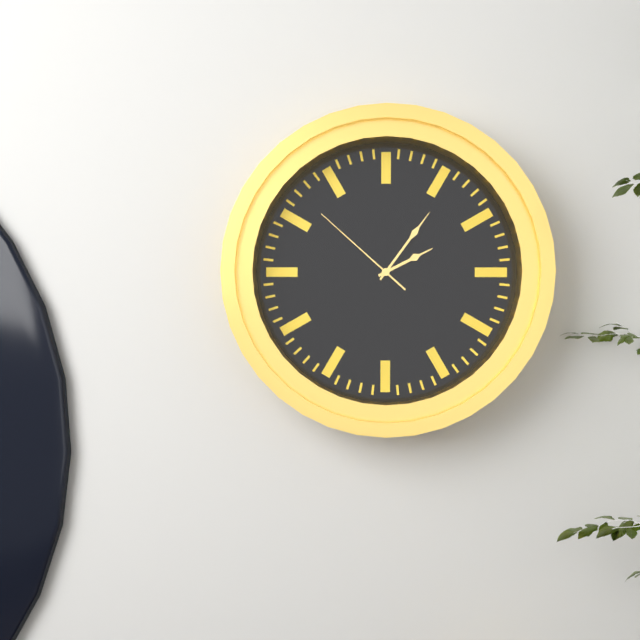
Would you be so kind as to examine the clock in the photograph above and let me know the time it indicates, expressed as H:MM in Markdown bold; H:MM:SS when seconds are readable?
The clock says **2:06:52**
